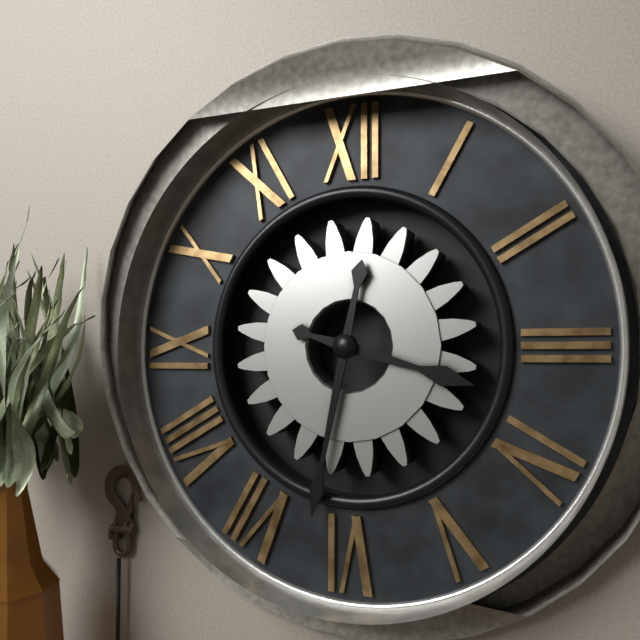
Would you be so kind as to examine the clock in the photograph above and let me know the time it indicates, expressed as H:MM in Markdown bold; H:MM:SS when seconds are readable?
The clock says **3:32**
